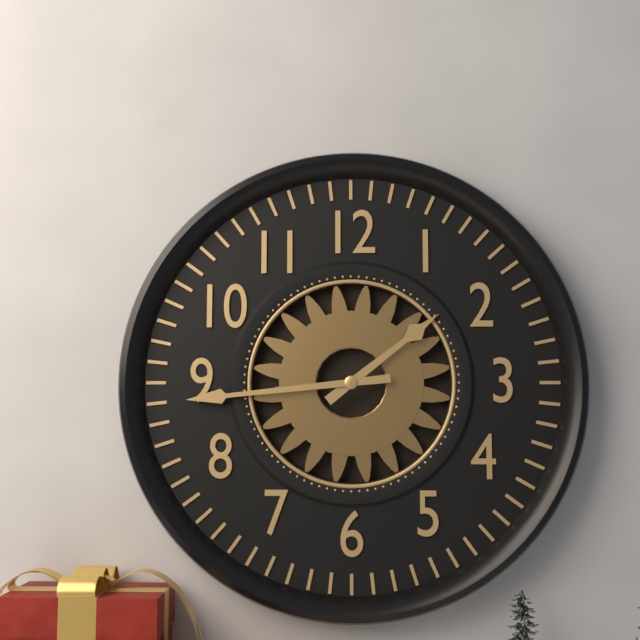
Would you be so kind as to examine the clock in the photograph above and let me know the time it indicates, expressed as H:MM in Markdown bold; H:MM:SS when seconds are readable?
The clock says **1:44**
